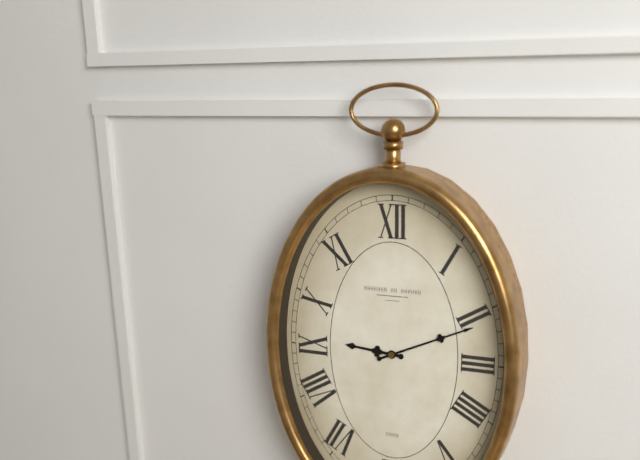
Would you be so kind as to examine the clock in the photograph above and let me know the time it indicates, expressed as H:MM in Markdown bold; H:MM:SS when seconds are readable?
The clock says **9:11**
